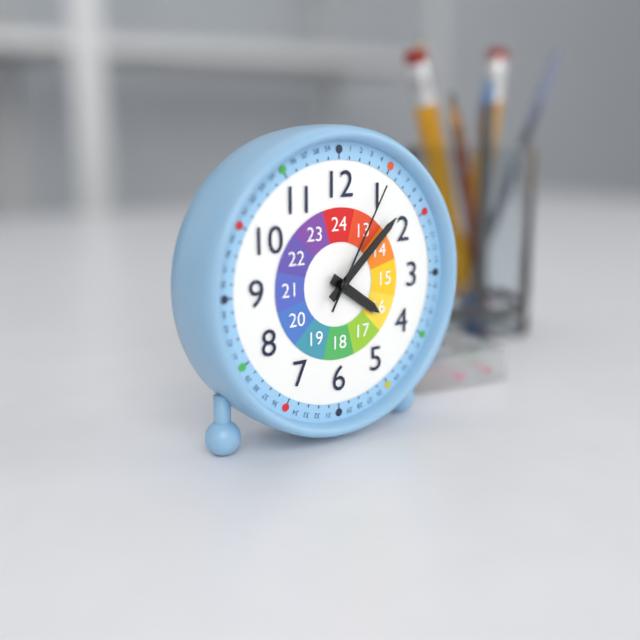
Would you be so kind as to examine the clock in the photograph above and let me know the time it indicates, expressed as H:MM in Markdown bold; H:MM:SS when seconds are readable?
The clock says **4:08:05**
